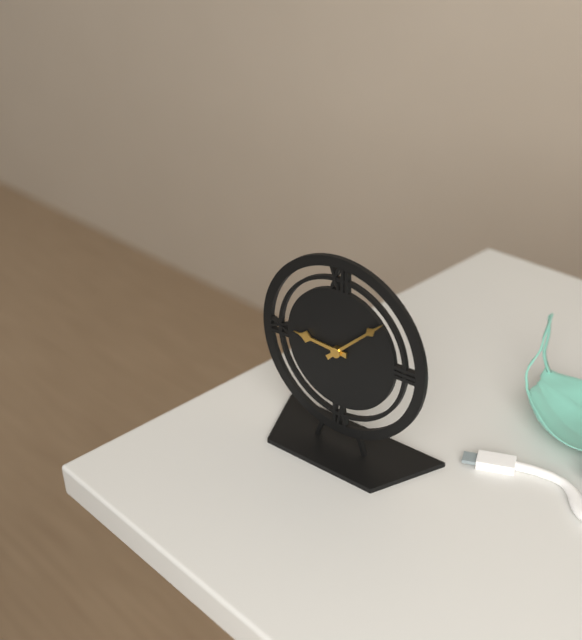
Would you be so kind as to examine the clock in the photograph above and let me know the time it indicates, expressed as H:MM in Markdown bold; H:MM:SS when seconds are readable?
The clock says **9:08**
